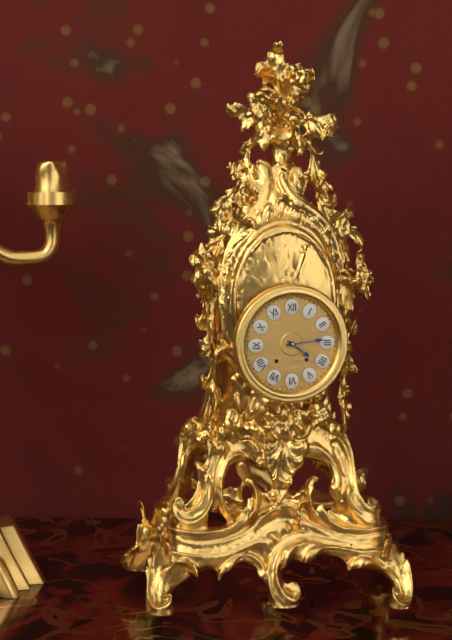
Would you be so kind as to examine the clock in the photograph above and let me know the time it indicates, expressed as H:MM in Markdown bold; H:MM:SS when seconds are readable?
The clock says **4:14**
